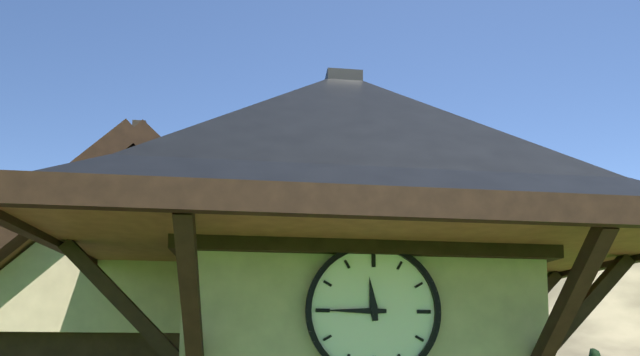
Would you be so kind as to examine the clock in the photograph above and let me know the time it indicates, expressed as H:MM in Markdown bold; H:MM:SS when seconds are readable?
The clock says **11:45**
